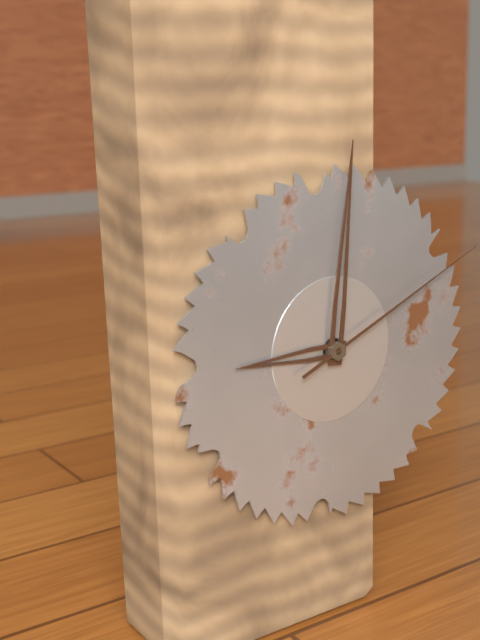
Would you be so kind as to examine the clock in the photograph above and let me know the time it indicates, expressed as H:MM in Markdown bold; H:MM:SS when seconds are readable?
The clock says **9:01:11**
